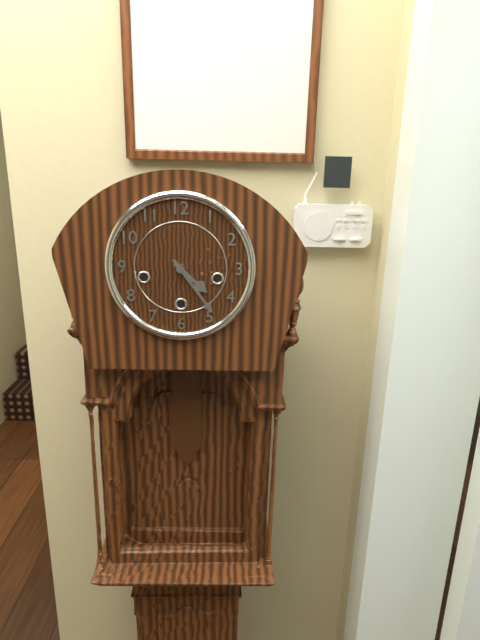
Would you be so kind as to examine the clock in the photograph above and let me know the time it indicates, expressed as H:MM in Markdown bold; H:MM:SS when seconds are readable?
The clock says **4:24**
